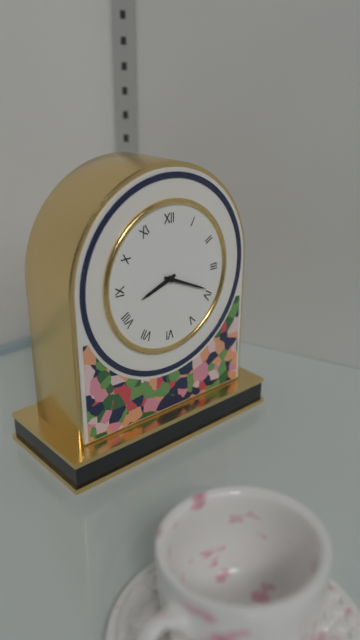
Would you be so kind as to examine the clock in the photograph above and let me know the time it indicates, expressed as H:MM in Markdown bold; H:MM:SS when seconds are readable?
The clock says **8:19**
